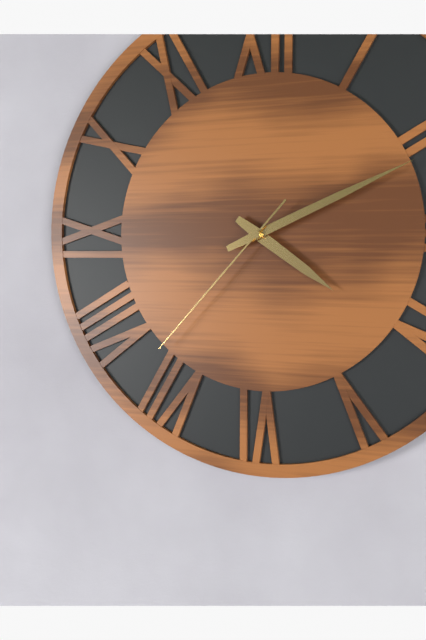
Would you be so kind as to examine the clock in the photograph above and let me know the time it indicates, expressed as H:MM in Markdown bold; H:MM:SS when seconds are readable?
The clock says **4:11:37**
